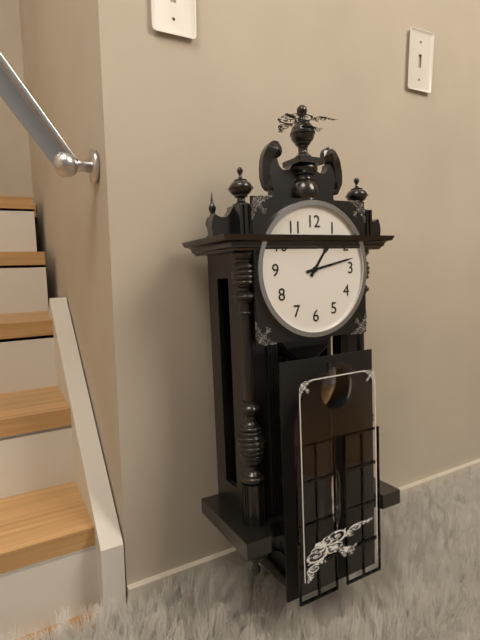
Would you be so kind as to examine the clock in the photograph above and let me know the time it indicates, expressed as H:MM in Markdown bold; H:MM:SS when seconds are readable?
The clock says **1:13**
